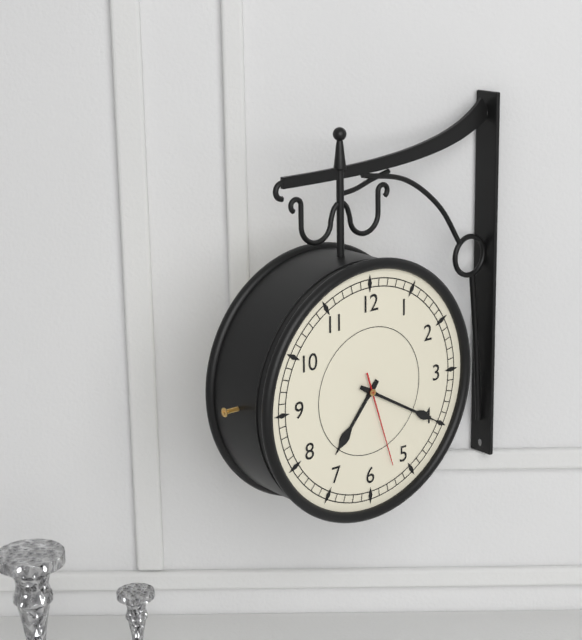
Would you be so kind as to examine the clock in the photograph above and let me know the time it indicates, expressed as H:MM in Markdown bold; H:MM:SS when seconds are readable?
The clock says **7:20:27**
